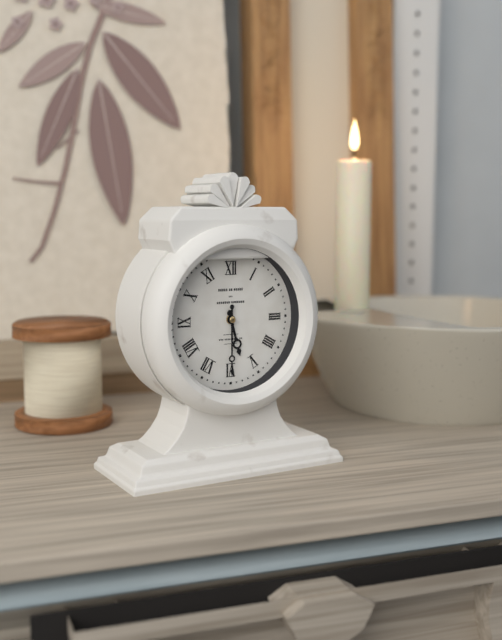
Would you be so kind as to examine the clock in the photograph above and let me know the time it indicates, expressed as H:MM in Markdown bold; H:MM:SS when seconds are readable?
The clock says **5:30**
